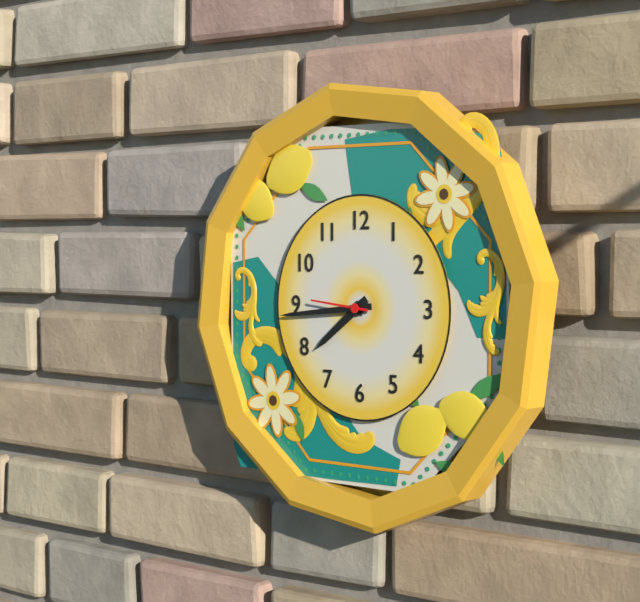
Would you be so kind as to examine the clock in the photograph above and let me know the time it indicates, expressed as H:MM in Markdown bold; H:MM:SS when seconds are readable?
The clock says **7:44:46**
